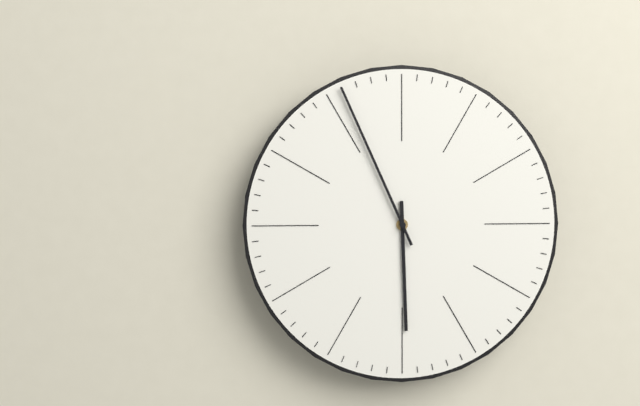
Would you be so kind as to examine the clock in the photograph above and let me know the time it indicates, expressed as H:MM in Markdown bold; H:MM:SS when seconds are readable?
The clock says **5:56**
